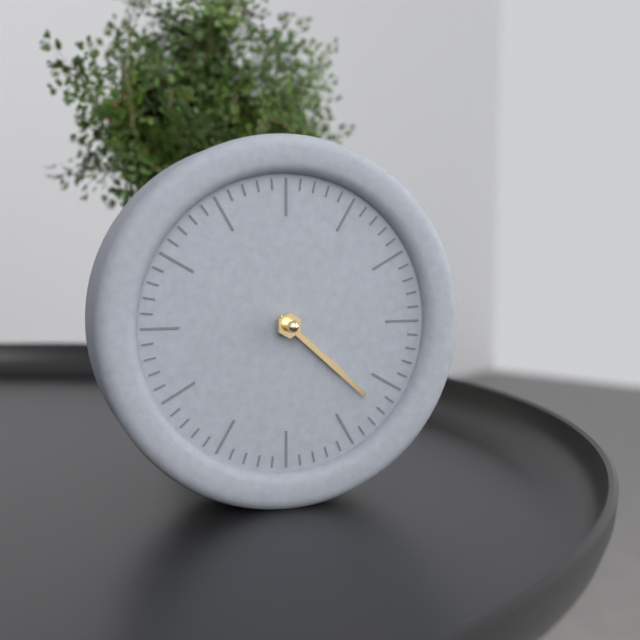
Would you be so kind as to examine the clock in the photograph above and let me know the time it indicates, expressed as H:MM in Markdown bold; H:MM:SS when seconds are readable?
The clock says **4:22**
